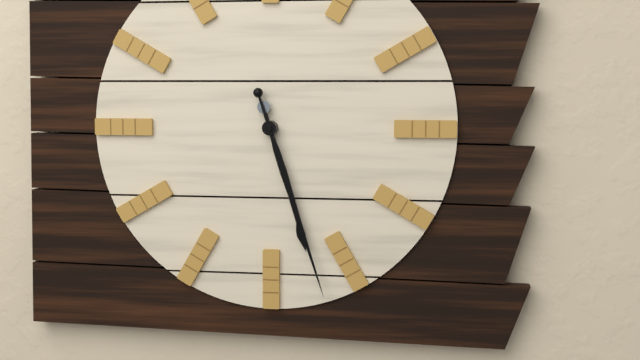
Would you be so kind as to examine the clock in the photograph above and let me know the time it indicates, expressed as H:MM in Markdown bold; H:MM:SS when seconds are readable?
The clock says **5:27**
